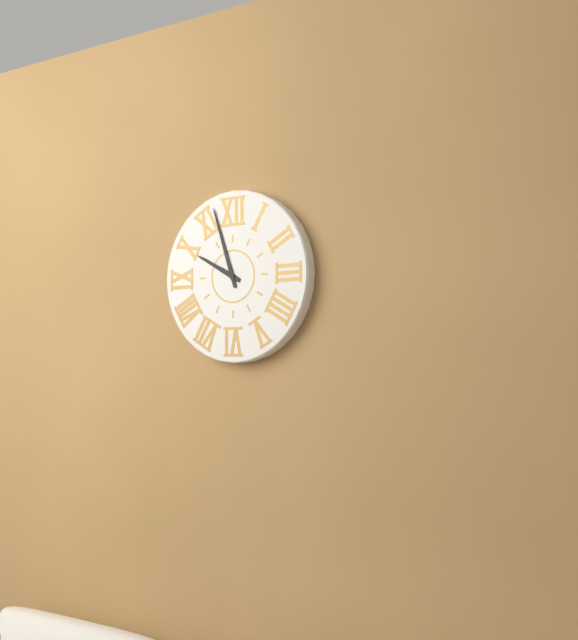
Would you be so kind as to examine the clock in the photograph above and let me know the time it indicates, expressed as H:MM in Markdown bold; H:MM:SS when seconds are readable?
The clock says **9:57**
